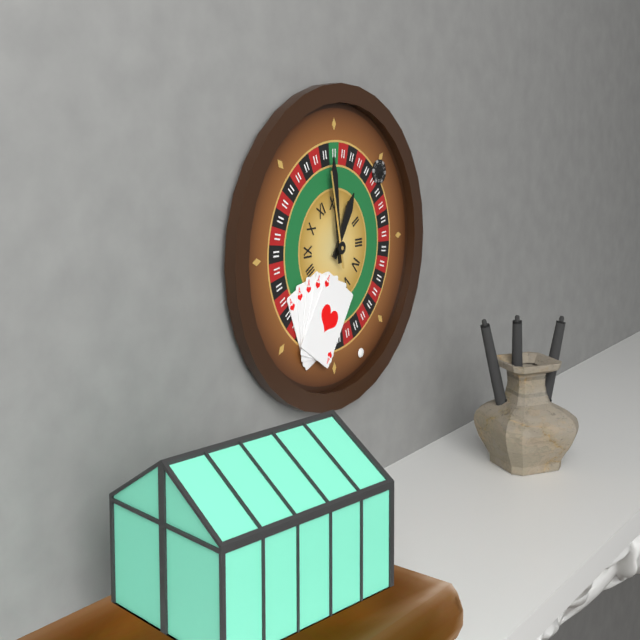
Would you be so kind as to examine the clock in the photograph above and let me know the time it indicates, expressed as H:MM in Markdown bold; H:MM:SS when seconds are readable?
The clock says **12:59:58**
